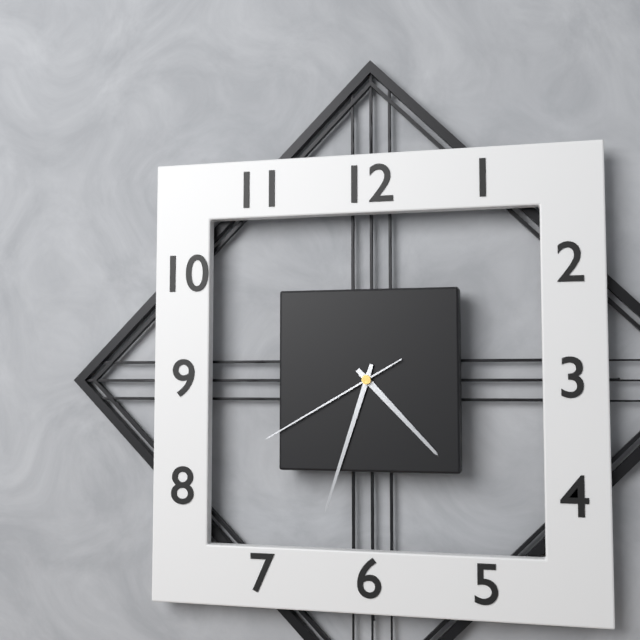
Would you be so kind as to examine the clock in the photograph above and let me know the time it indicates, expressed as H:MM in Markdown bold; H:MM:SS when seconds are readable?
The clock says **4:33:40**
